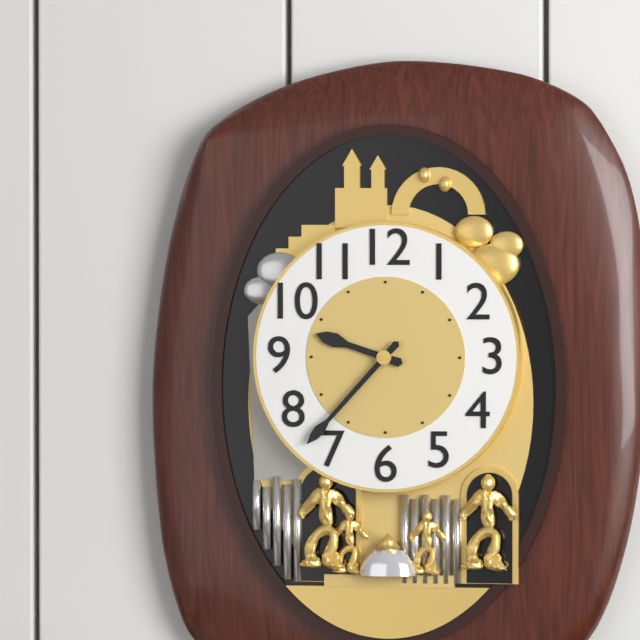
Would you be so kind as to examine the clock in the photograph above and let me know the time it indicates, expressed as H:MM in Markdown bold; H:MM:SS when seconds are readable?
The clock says **9:37**
